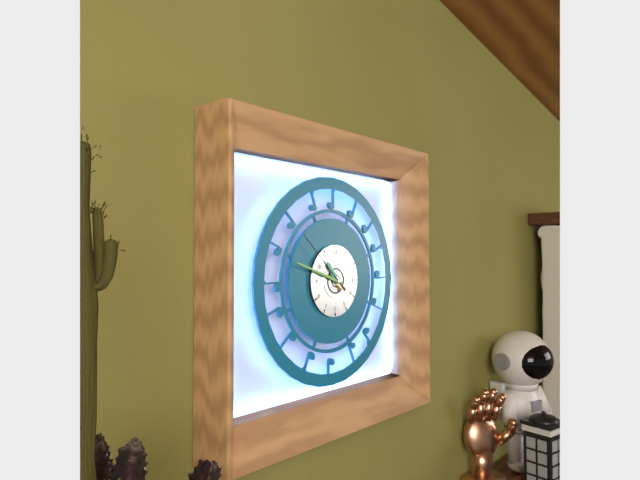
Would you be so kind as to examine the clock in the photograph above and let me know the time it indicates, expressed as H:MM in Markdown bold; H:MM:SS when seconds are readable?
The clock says **10:48:52**
